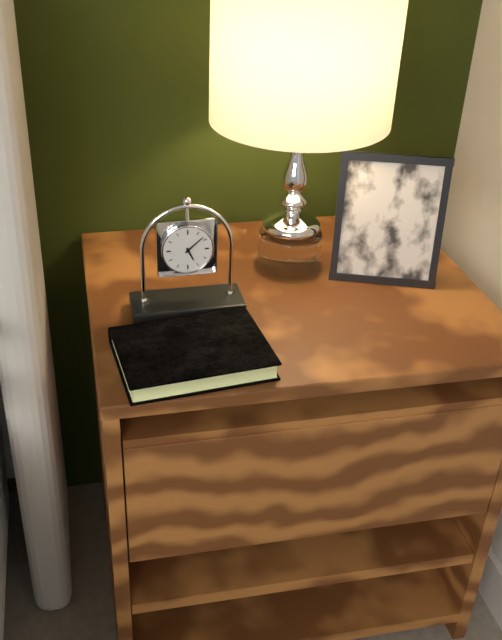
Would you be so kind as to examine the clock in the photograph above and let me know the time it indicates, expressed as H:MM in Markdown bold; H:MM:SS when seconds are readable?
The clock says **5:08**
